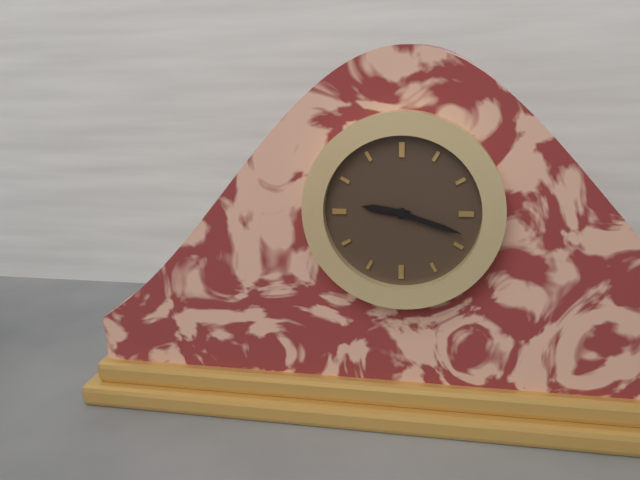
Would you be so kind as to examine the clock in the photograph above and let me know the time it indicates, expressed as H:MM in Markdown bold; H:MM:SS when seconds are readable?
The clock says **9:18**
